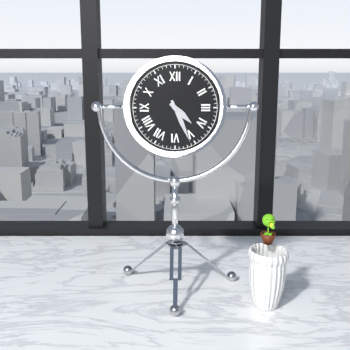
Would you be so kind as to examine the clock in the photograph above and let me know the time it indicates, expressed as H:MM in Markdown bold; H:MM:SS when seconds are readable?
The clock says **4:26**
